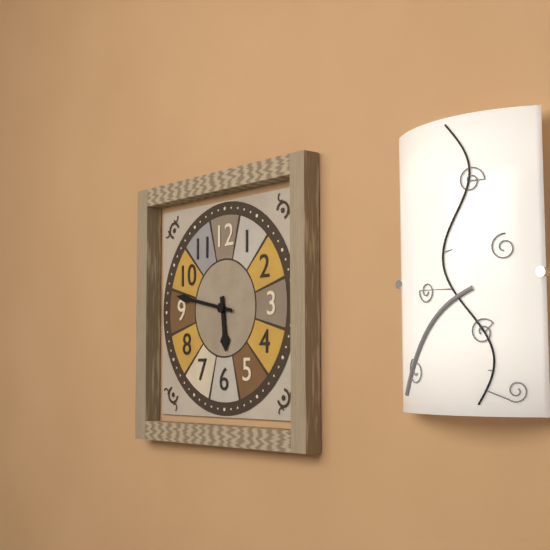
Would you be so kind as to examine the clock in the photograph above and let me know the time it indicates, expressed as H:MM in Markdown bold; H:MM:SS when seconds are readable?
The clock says **5:47**
